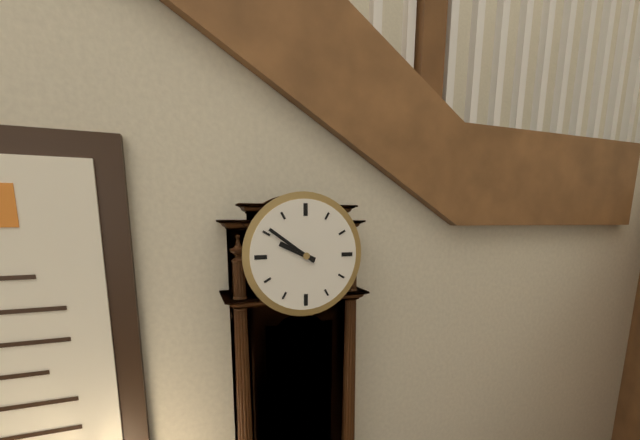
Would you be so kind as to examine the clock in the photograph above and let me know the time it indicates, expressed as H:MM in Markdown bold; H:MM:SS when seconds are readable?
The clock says **9:51**
